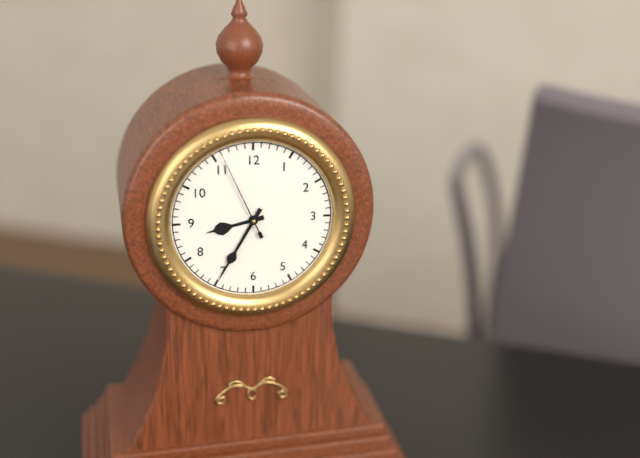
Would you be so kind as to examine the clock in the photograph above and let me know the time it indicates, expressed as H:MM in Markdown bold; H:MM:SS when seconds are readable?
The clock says **8:35:56**
